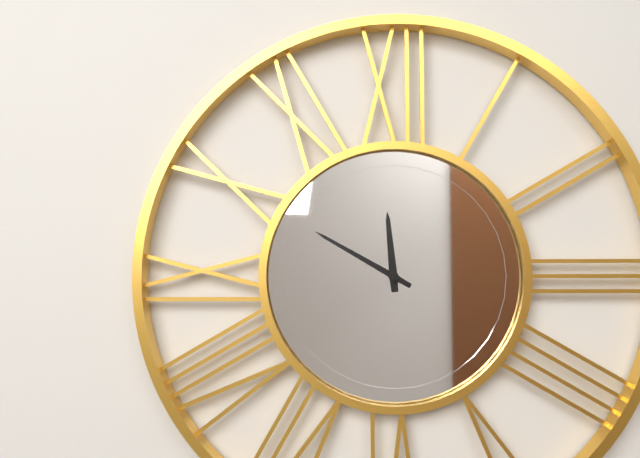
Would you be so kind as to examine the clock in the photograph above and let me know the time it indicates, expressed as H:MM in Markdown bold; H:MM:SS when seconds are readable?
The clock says **11:50**
